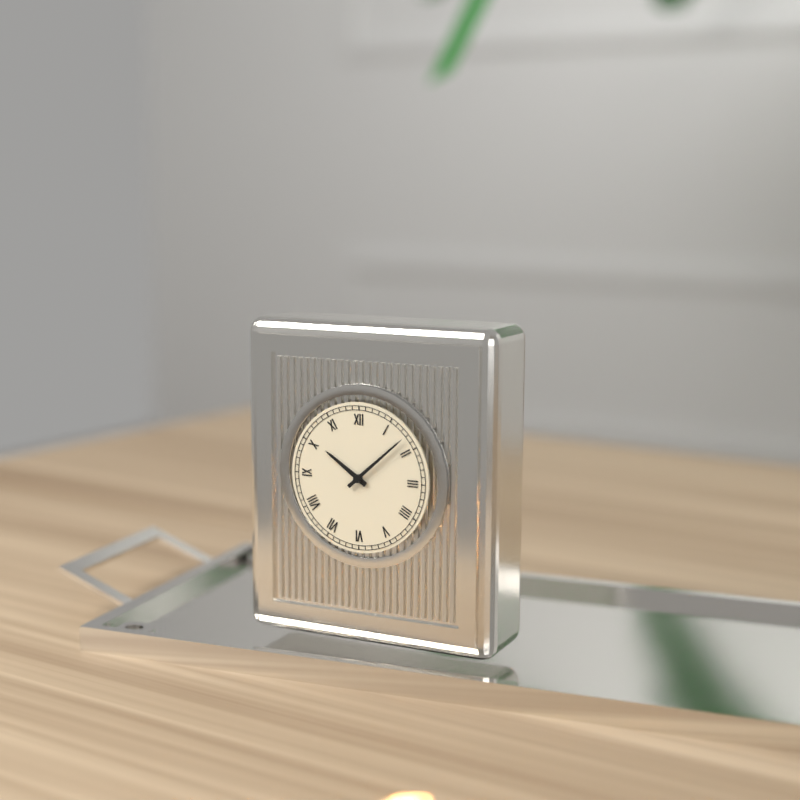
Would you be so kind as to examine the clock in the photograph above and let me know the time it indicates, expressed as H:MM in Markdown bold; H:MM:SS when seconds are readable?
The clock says **10:08**
